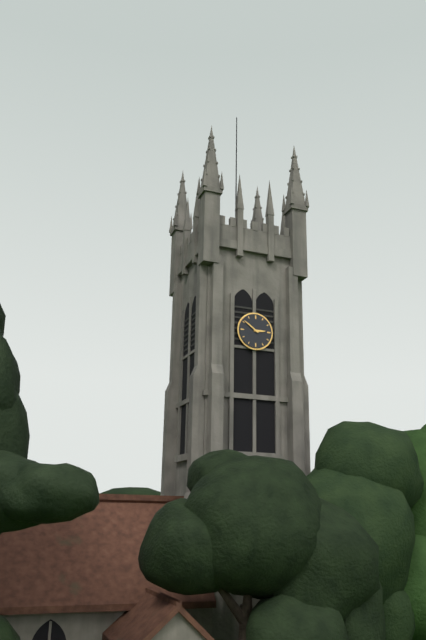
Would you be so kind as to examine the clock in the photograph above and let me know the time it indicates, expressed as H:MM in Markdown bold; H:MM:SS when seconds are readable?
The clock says **2:51**
